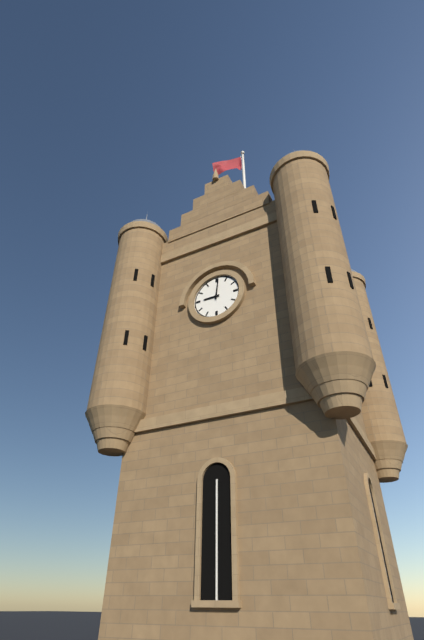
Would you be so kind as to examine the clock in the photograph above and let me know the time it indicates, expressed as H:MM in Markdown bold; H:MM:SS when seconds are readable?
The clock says **9:01**
